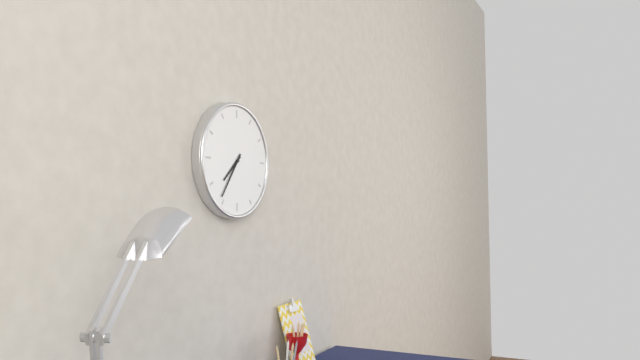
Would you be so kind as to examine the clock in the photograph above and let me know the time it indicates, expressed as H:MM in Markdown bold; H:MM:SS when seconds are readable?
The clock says **7:36**
